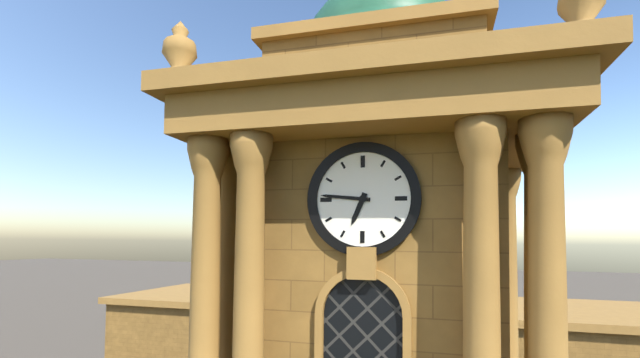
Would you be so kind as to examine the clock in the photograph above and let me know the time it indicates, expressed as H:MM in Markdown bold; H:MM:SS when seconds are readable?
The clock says **6:46**
